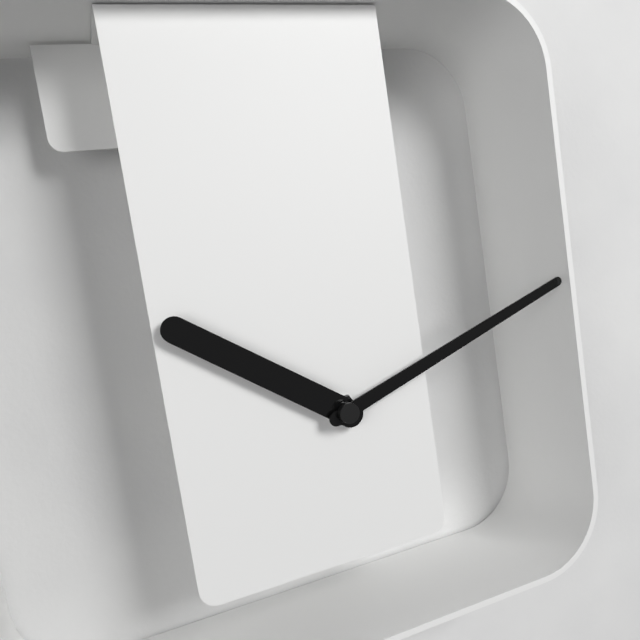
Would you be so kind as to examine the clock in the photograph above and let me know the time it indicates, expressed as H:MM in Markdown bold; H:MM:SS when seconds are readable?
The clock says **10:12**
